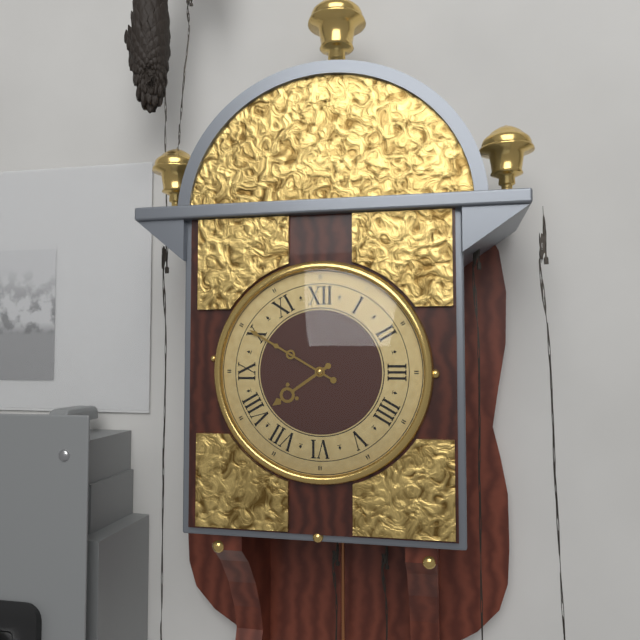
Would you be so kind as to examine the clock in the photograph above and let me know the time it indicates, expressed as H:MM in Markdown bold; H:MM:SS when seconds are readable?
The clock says **7:50**
